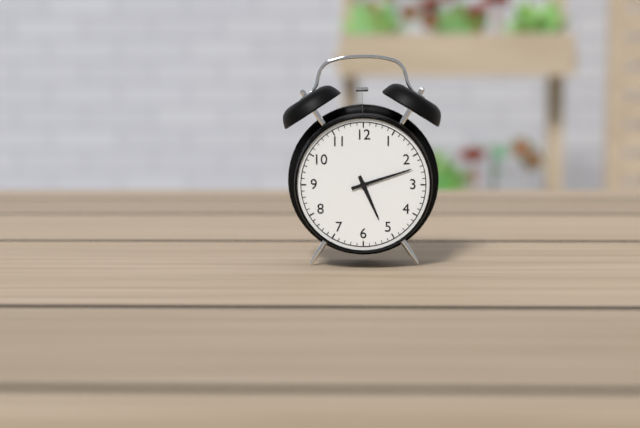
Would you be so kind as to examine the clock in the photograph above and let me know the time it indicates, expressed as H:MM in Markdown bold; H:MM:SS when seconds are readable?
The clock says **5:12**
